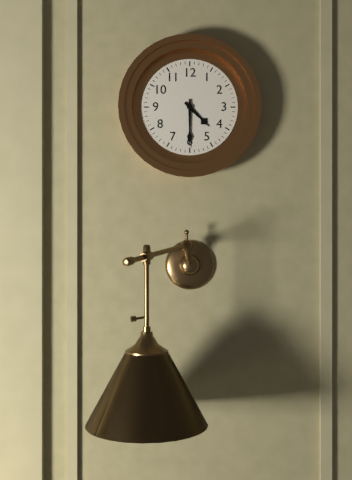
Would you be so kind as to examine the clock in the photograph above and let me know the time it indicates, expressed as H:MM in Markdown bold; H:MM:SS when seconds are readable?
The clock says **4:30**
